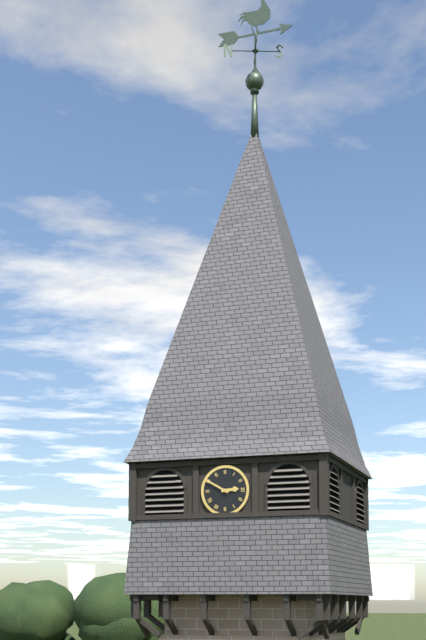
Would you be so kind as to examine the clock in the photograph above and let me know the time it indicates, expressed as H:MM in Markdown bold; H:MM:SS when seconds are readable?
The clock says **2:50**
